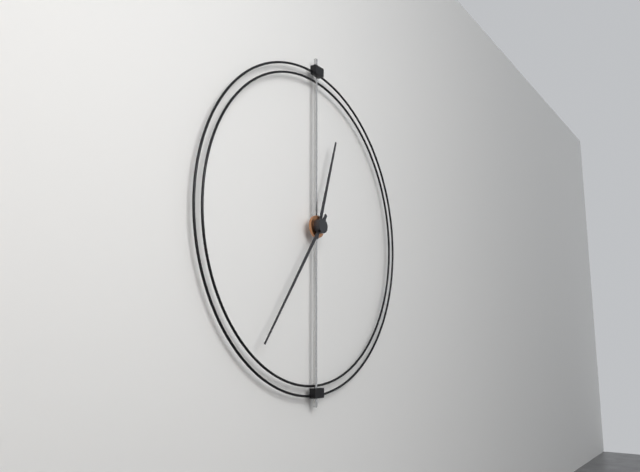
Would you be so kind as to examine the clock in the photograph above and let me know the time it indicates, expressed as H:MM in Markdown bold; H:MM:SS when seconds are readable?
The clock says **12:36**
